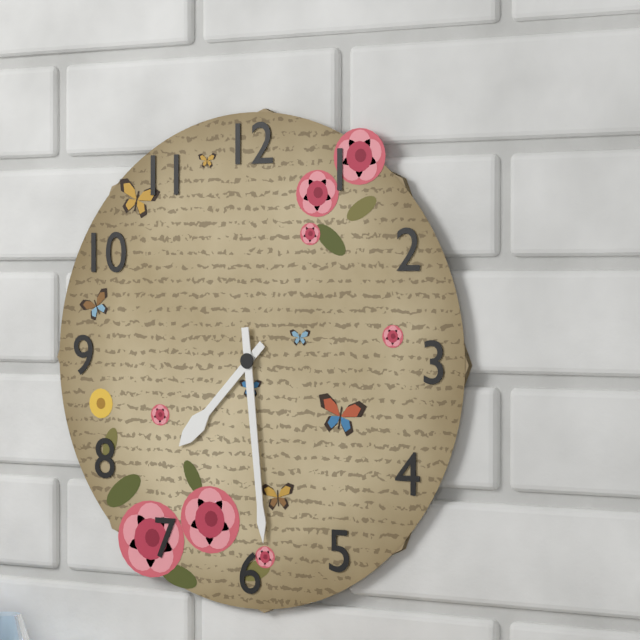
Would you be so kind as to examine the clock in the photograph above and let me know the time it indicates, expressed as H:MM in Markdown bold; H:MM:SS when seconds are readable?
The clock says **7:29**
